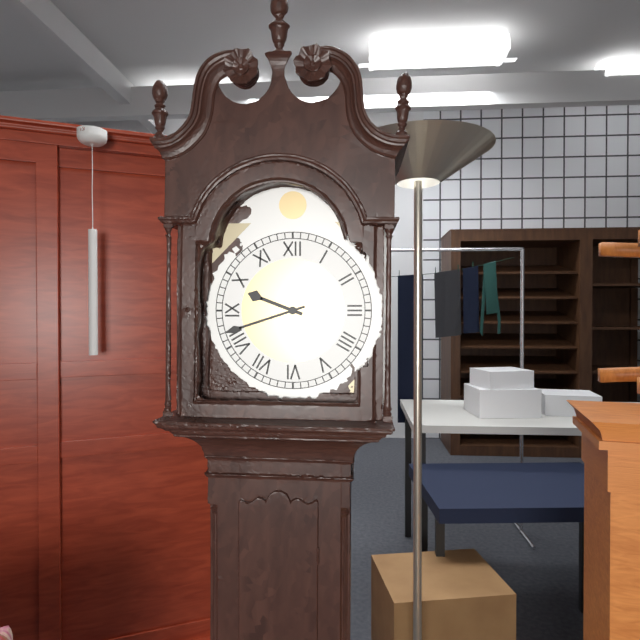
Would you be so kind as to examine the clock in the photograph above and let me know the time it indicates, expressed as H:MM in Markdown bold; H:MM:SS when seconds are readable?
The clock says **9:42**
